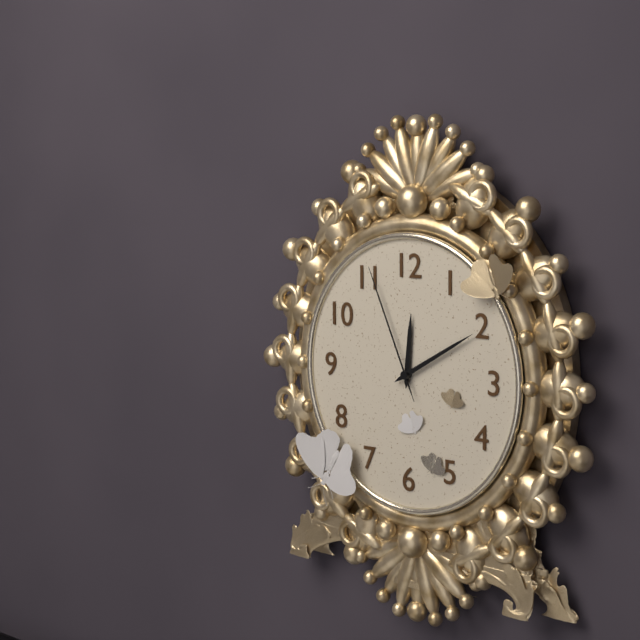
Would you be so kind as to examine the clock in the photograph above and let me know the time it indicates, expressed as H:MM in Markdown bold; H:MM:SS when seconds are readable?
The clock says **12:10:56**
